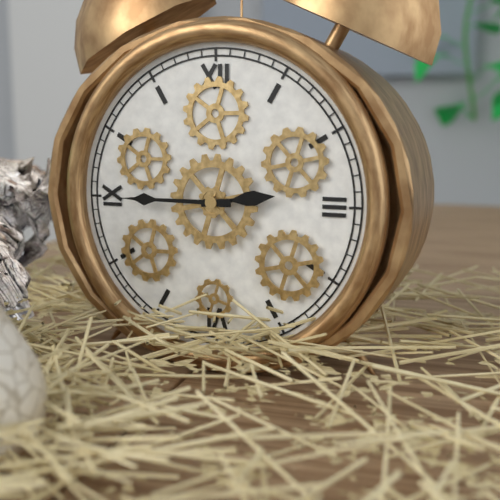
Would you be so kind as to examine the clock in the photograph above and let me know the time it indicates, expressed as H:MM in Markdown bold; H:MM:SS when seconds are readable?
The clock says **2:45**
